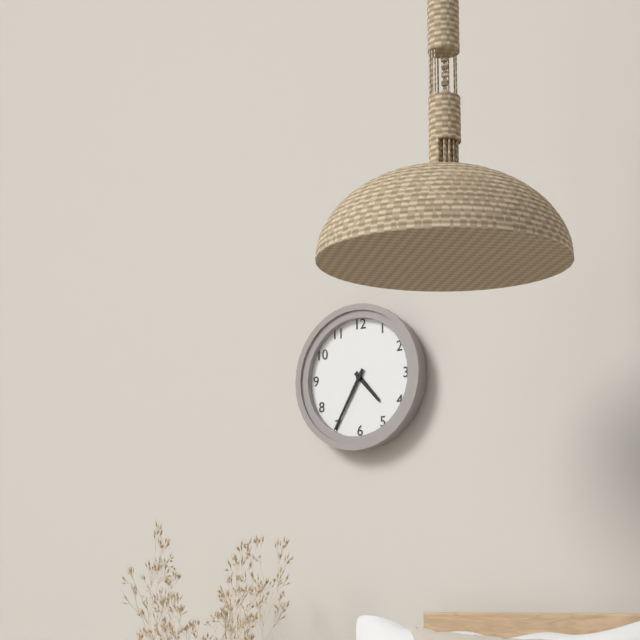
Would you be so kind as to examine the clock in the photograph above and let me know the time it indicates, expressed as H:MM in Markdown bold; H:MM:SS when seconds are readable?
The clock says **4:35**
